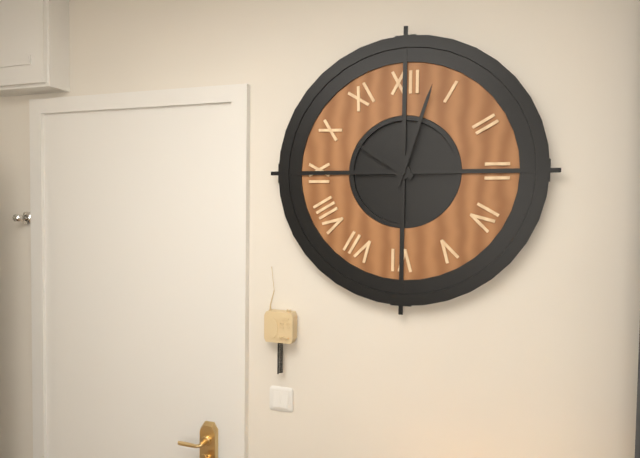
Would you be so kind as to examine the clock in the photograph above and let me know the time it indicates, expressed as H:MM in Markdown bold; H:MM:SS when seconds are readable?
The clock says **10:03**
